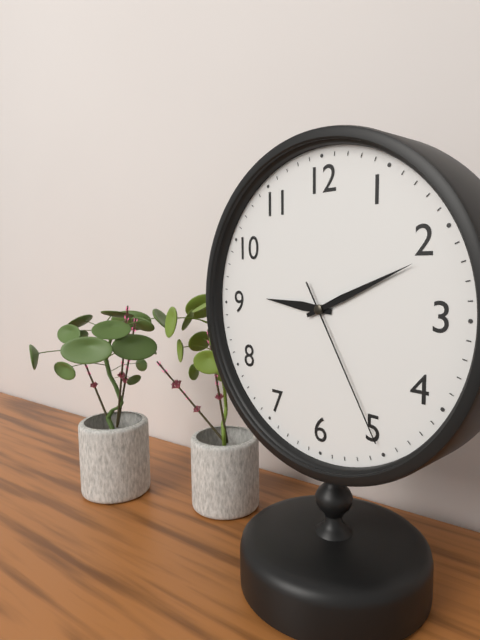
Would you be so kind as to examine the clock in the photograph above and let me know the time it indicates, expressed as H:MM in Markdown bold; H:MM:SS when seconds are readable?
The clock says **9:11:25**
